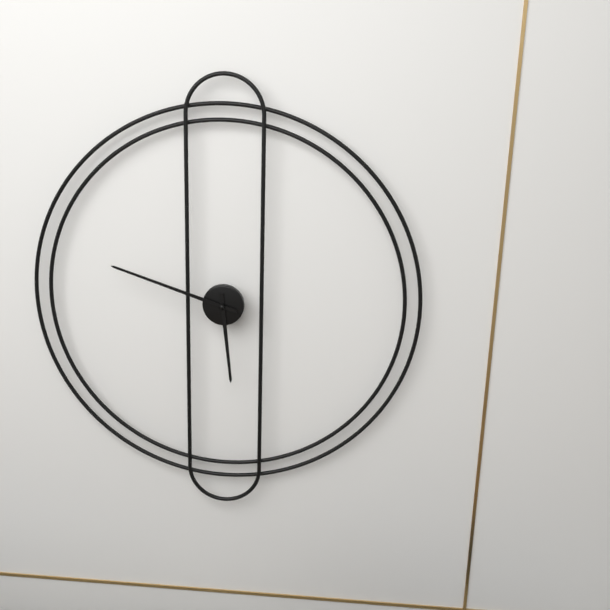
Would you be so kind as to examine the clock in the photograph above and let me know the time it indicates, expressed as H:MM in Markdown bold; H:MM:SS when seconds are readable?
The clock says **5:48**
